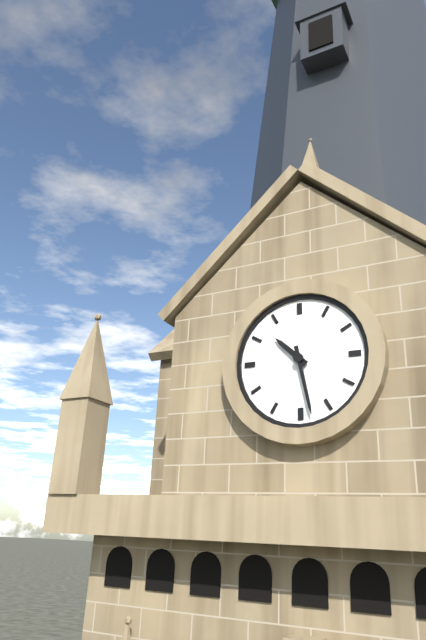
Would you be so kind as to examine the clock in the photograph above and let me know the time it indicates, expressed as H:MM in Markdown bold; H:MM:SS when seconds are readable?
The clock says **10:28**
